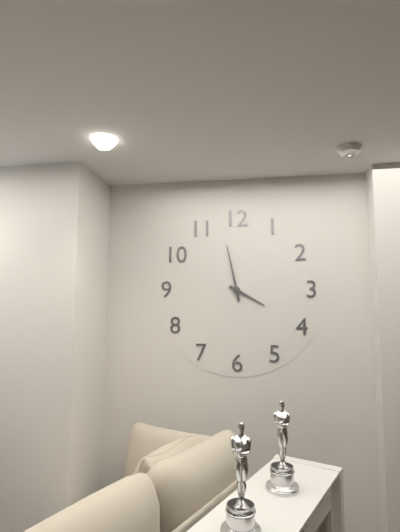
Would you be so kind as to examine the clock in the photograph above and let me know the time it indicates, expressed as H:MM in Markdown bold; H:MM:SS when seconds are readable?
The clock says **3:58**
